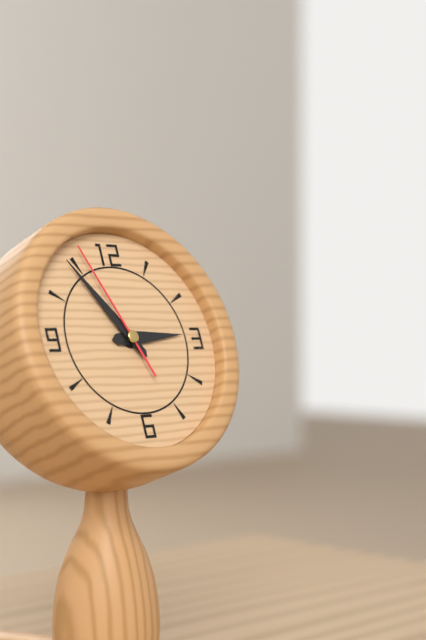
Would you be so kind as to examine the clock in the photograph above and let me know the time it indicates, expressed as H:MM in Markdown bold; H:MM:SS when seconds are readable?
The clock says **2:54:56**
